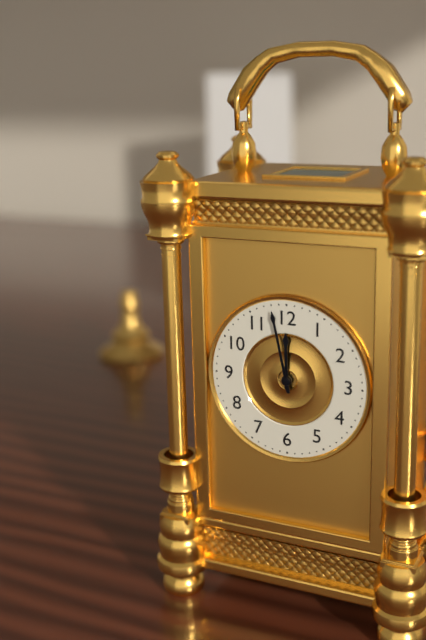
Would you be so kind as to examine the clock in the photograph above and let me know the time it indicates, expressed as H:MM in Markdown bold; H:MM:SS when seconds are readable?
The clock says **11:58**
